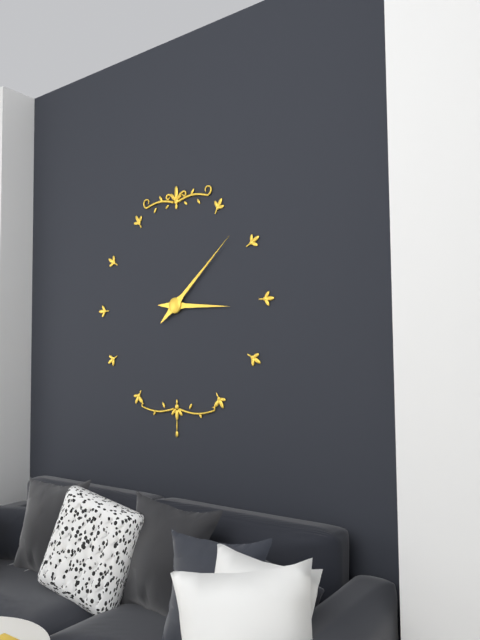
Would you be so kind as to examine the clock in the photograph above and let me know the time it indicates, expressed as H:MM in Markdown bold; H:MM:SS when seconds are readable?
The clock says **3:08**
